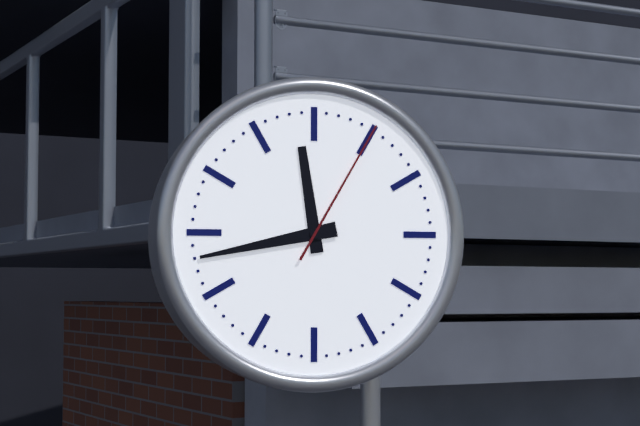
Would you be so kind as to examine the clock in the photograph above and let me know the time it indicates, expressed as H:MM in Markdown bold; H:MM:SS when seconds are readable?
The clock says **11:43:05**
